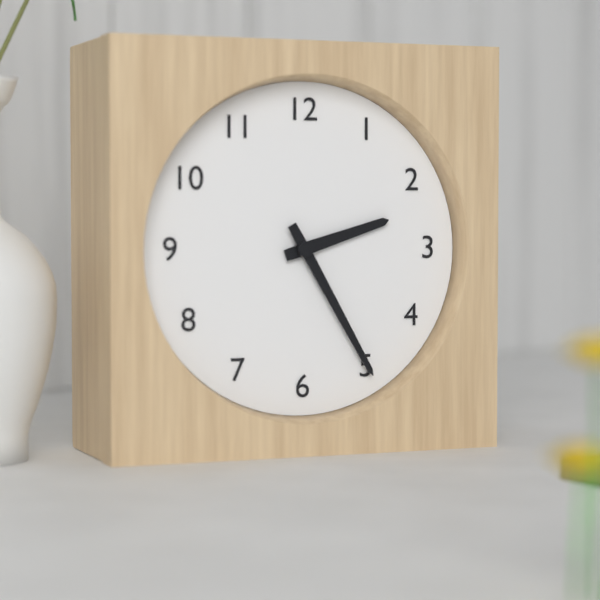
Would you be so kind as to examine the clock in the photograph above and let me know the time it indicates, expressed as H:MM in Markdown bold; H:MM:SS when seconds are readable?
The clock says **2:25**
